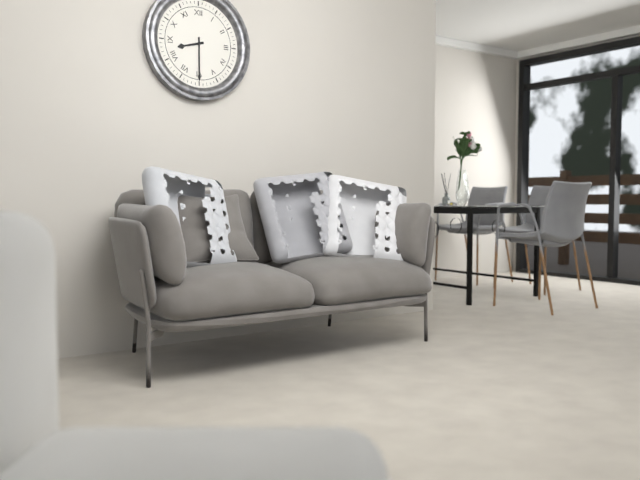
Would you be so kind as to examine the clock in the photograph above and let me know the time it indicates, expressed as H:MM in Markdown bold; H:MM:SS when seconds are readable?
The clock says **8:30**
